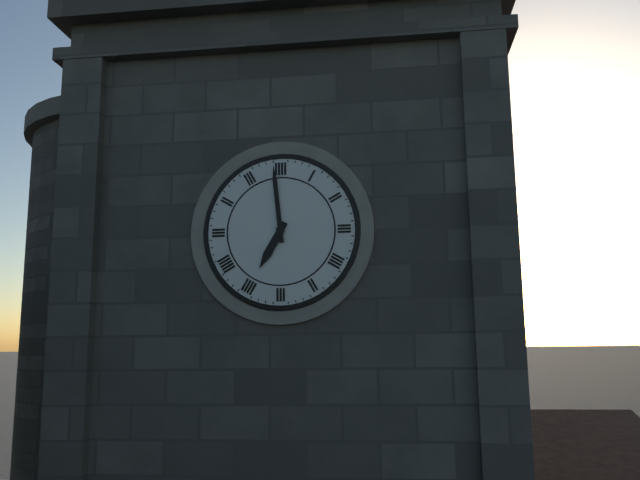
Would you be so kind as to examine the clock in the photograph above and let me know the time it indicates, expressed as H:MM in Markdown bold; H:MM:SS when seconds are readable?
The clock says **6:59**
